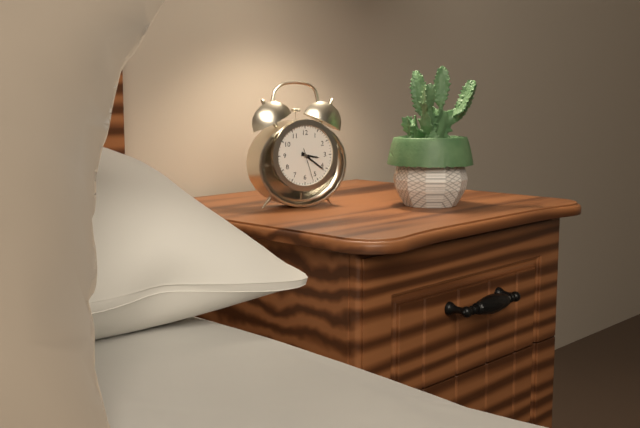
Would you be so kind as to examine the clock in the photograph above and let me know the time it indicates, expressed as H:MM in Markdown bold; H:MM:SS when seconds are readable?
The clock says **3:21**
